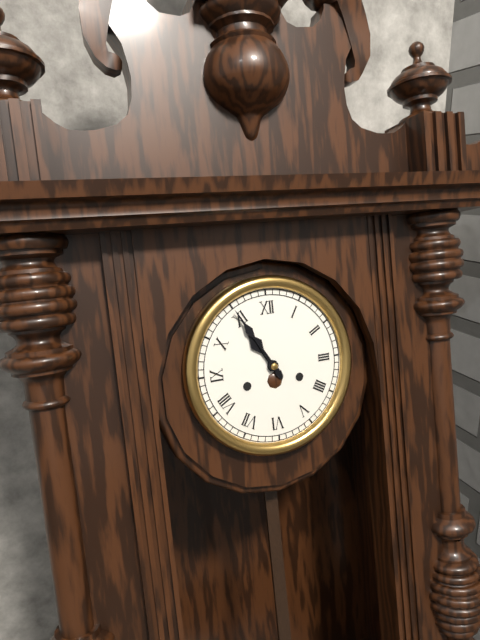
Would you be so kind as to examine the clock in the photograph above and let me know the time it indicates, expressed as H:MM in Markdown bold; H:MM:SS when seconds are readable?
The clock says **10:55**
